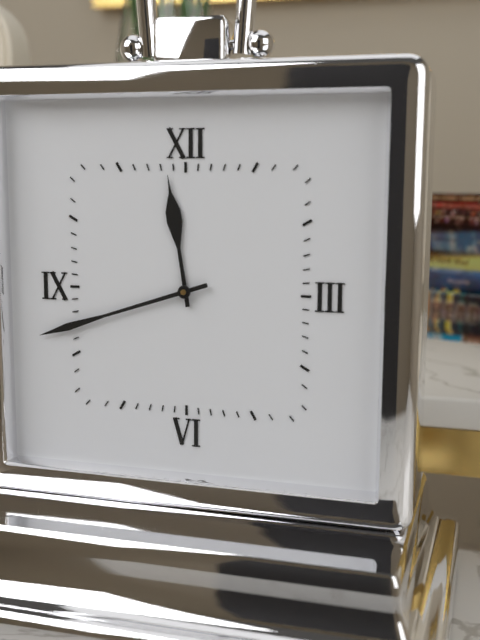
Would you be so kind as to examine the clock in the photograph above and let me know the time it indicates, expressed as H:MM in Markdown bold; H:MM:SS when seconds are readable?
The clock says **11:42**
